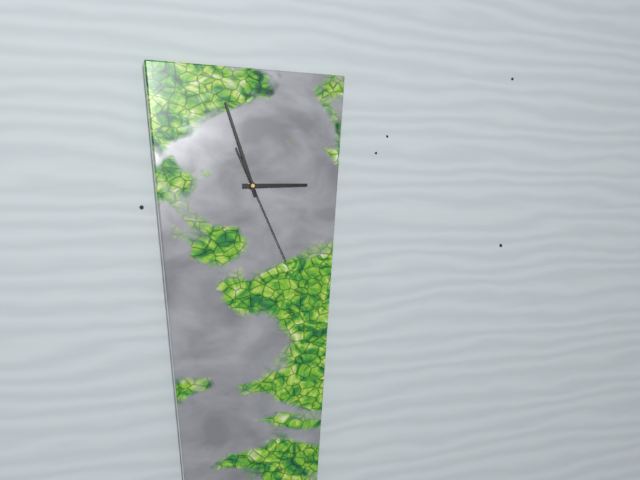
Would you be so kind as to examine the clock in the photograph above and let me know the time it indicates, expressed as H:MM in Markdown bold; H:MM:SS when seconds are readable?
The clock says **2:57:26**
